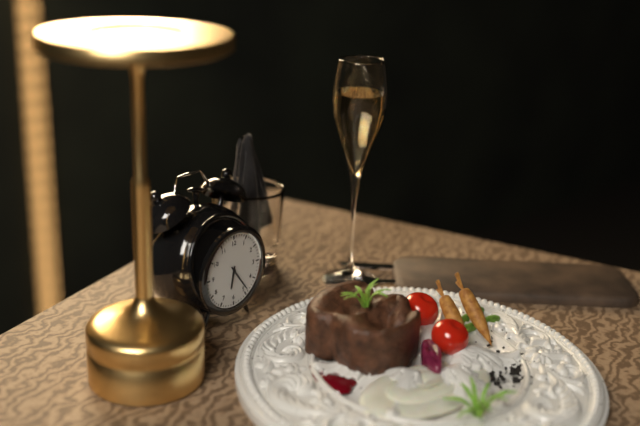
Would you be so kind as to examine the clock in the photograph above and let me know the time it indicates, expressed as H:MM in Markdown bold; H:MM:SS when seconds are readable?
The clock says **6:24**
